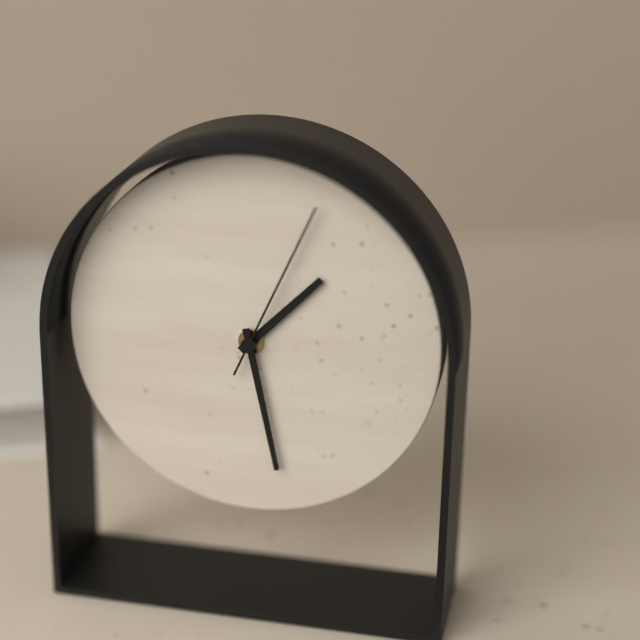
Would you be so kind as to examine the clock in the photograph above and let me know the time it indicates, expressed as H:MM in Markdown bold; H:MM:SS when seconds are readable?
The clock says **1:28:04**
